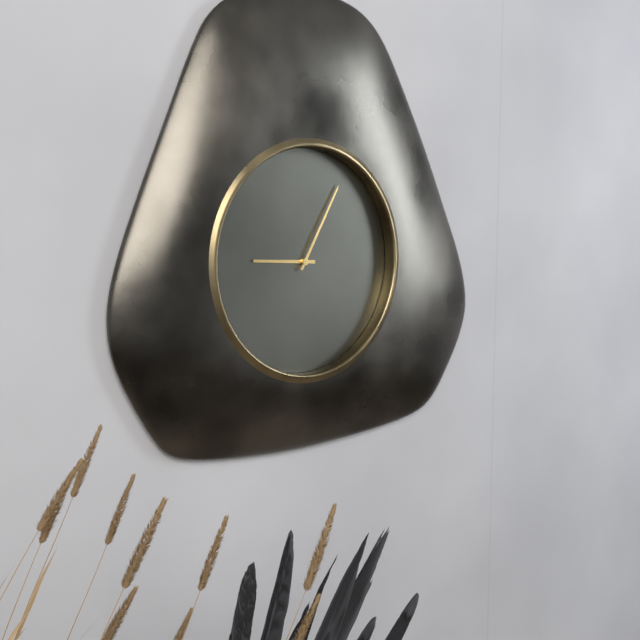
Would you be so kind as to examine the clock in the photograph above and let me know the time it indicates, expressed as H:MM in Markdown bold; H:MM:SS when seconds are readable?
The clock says **9:05**
